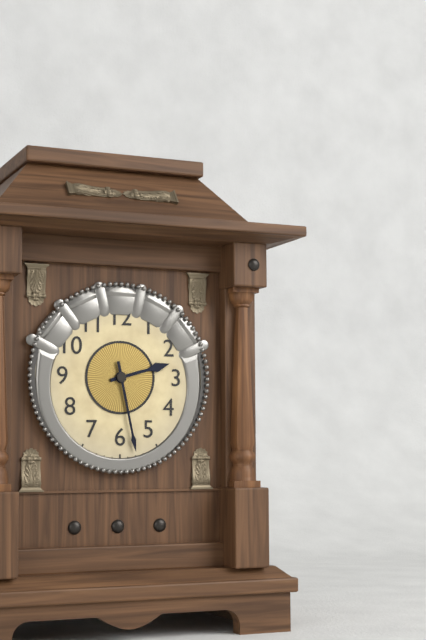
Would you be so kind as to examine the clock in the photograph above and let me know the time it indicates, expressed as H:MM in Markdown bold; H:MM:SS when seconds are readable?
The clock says **2:28**
